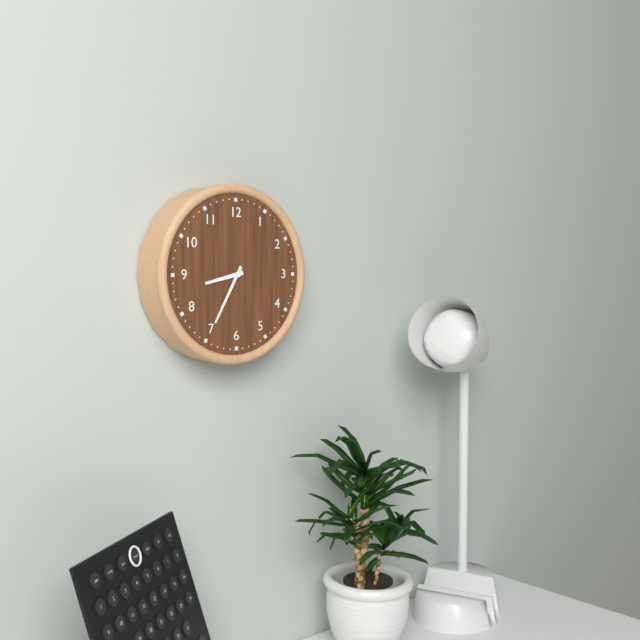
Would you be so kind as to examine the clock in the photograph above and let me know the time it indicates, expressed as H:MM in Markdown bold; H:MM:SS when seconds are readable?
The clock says **8:35**
